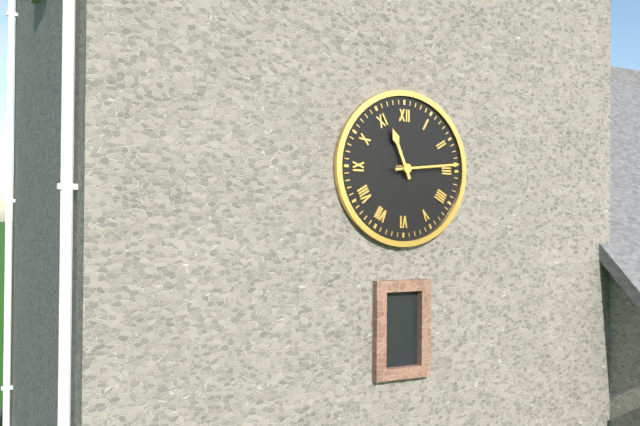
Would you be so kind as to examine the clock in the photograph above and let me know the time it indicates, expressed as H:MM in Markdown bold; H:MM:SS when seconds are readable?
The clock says **11:14**
